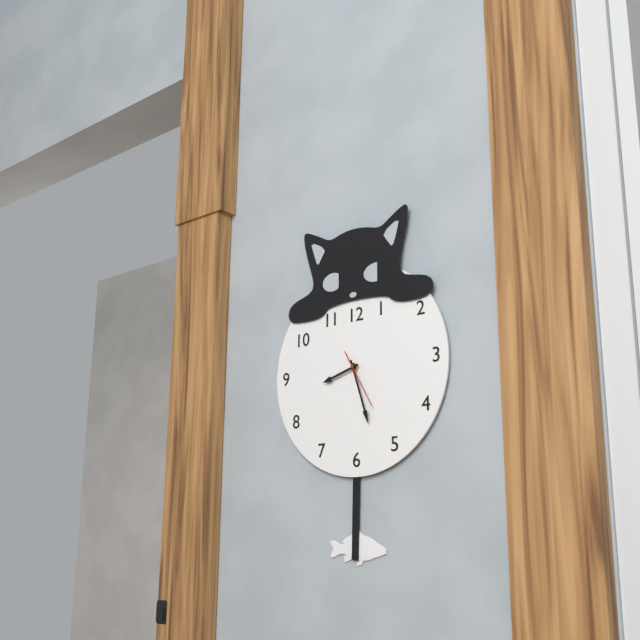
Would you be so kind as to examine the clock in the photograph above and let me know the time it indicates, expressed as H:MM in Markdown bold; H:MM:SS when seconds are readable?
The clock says **8:27**
